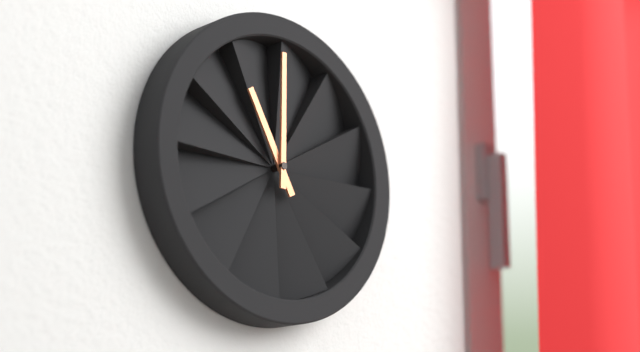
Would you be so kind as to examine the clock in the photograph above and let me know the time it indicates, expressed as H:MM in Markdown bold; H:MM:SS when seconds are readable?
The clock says **11:00**
